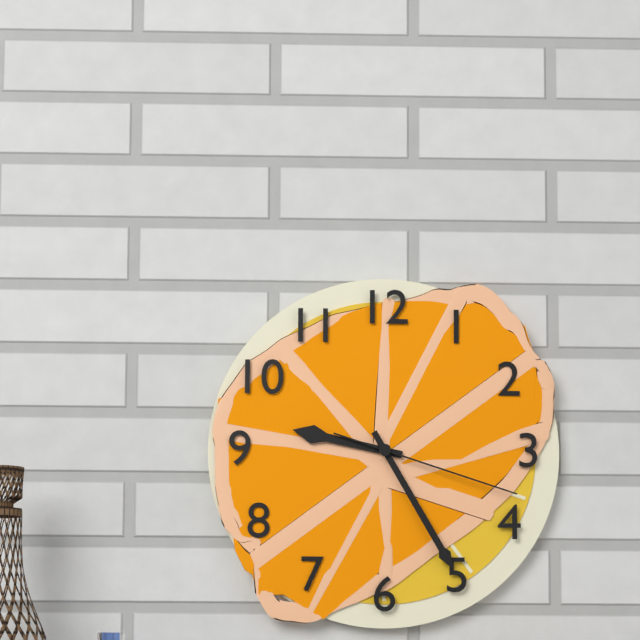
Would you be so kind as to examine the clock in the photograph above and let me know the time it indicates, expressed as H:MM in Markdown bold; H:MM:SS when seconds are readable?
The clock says **9:25:18**
